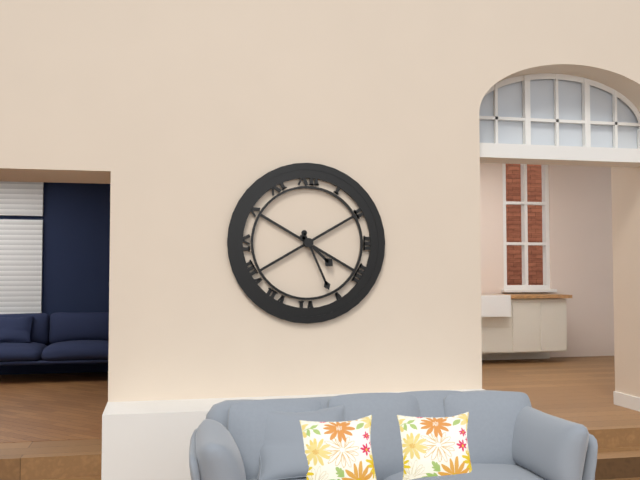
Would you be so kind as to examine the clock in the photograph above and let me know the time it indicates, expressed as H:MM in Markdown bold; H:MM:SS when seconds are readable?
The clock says **4:26**
